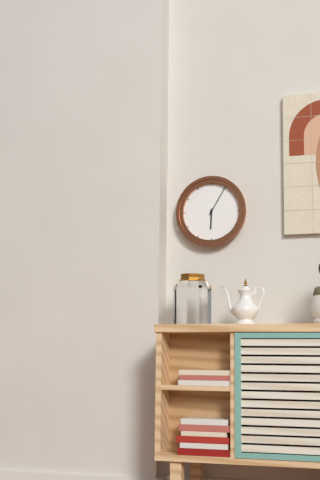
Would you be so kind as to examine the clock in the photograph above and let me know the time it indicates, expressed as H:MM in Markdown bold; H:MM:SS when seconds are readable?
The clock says **6:05**
